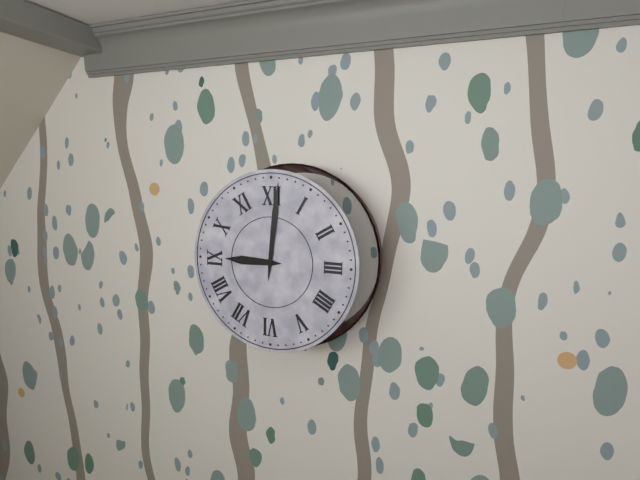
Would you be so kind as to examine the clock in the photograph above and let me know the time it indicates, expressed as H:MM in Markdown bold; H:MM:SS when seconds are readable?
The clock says **9:01**
